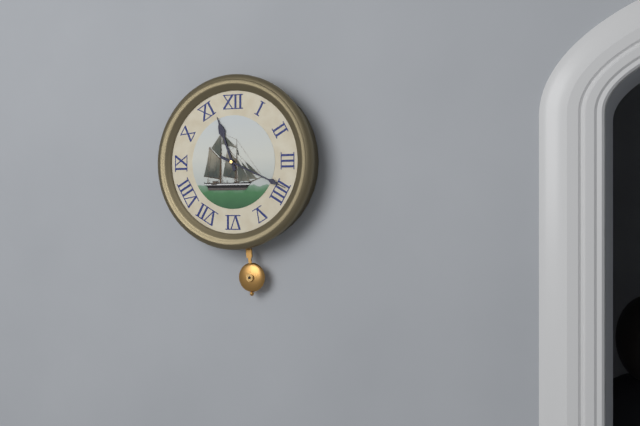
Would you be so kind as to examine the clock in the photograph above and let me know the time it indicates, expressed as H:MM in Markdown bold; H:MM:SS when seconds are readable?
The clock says **11:19**
